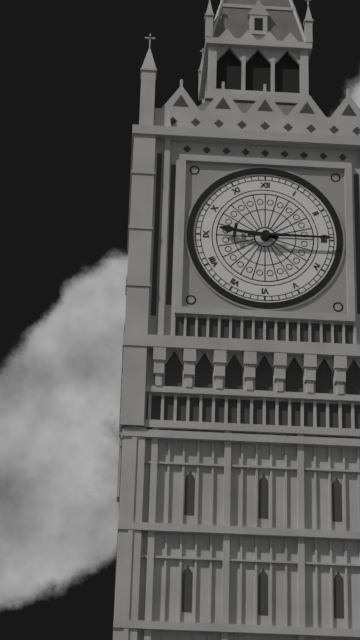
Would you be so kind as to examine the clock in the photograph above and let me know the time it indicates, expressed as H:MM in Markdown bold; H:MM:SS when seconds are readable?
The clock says **9:15**
